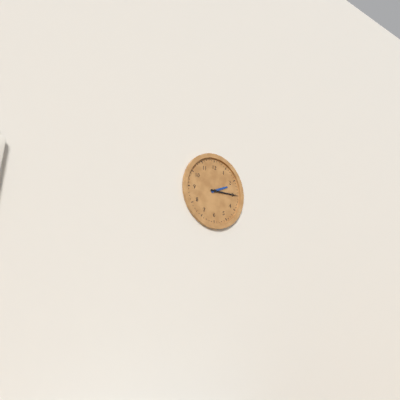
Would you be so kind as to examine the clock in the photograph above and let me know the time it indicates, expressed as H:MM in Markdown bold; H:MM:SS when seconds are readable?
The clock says **2:15**
